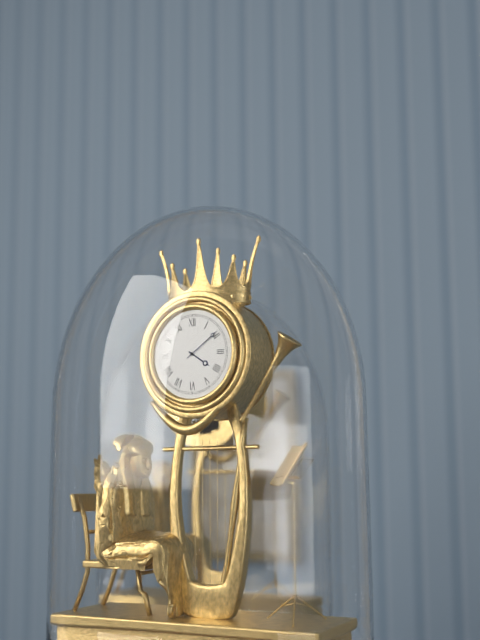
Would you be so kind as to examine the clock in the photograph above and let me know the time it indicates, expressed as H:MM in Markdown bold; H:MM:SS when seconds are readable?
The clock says **4:09**
